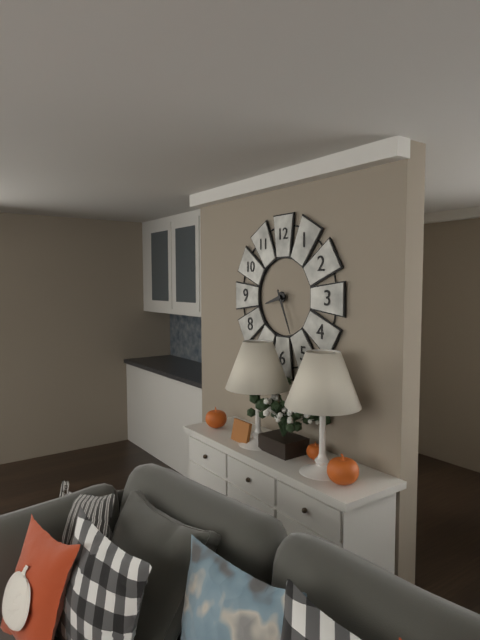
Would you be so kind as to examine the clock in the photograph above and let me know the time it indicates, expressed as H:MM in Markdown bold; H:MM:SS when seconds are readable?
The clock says **8:26**
